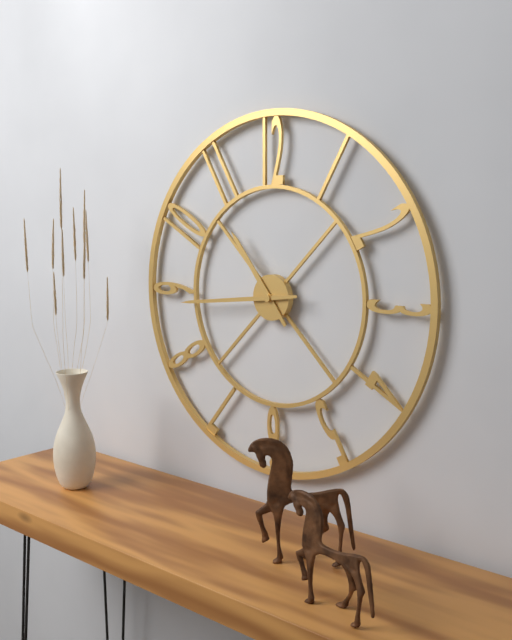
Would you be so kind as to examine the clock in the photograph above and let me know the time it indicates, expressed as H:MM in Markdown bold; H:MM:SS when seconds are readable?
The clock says **10:44**
